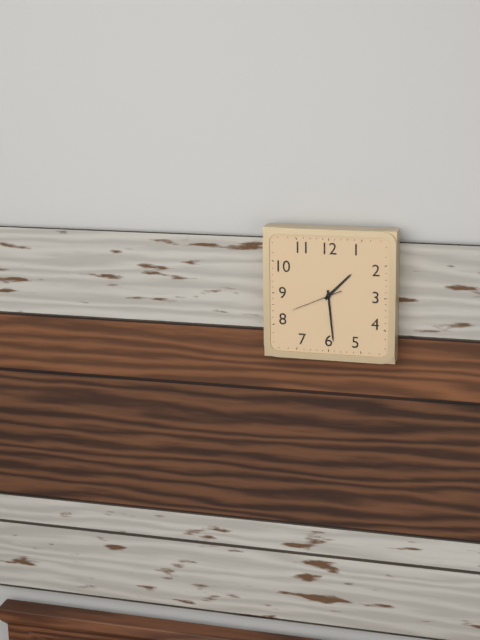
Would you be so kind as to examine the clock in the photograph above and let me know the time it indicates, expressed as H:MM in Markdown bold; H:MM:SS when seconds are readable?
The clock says **1:29**
